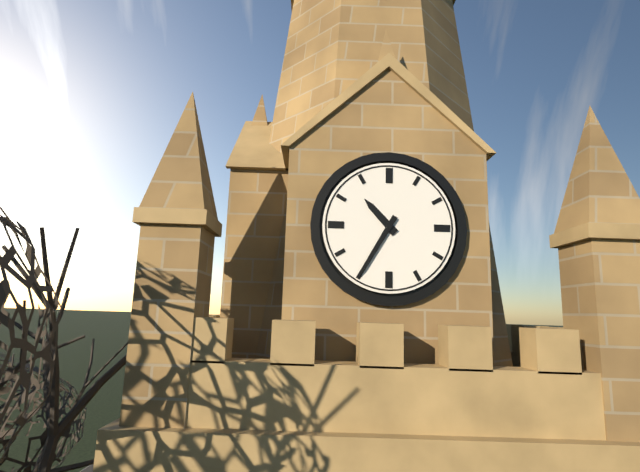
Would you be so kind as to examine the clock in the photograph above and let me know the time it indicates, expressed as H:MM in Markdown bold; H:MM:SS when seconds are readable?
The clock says **10:35**
